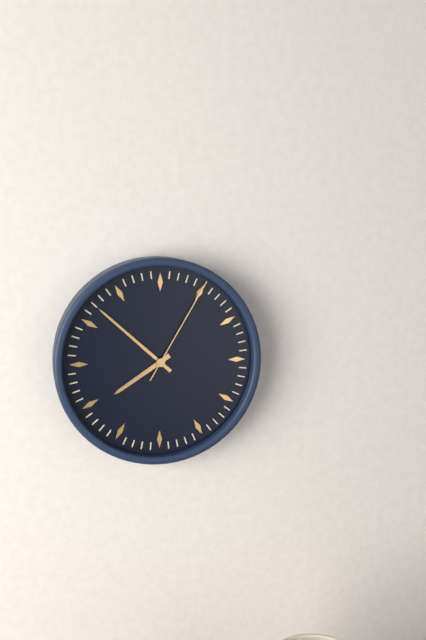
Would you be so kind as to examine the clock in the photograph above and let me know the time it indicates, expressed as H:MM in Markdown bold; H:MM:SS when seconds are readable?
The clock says **7:52:05**
